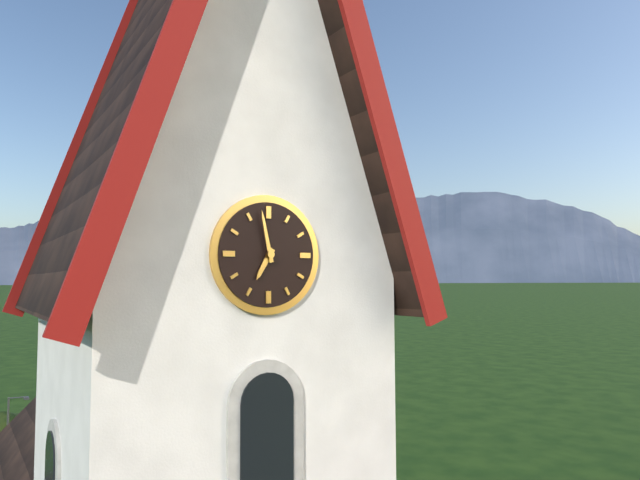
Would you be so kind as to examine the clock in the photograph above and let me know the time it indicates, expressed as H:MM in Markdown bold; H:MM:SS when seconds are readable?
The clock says **6:58**
